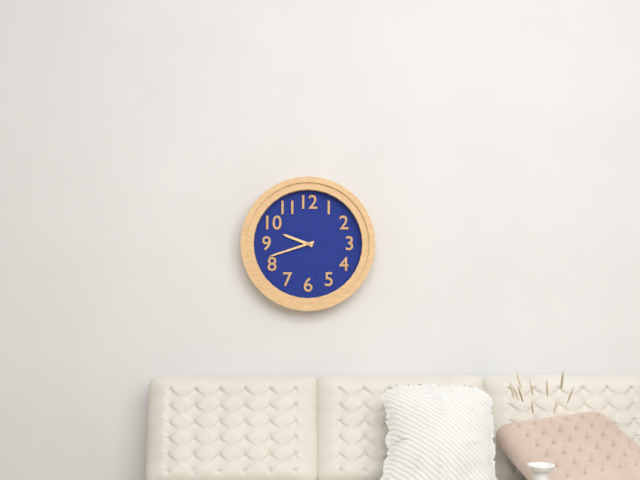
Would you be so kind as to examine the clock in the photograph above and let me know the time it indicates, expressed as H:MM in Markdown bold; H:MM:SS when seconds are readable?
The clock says **9:42**
